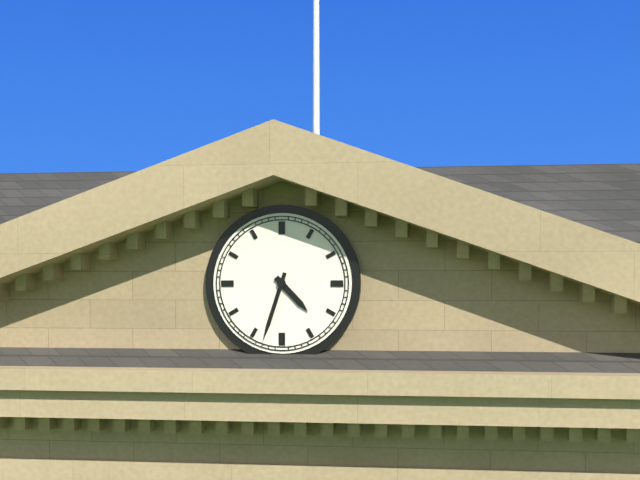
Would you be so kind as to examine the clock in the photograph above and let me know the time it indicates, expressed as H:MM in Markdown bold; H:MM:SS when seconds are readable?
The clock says **4:33**
